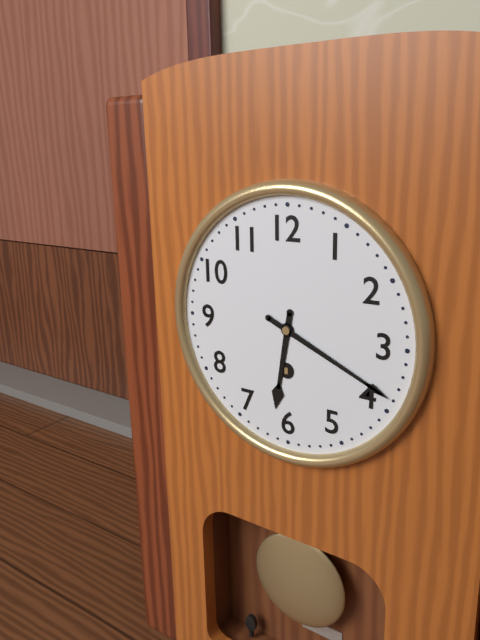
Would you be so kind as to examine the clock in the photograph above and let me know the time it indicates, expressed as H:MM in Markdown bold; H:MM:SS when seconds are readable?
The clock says **6:19**
